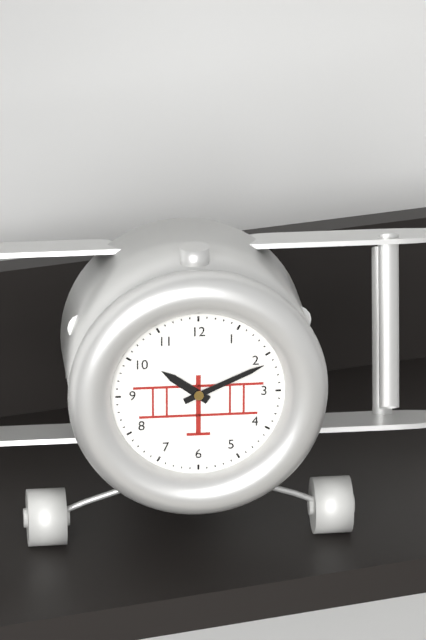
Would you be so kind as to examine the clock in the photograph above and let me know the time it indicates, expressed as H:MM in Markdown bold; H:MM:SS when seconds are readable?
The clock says **10:11**
